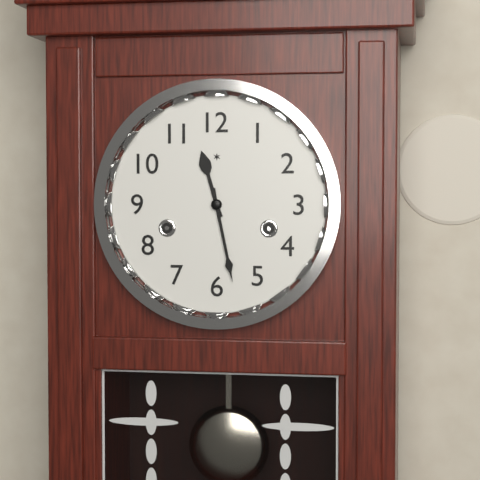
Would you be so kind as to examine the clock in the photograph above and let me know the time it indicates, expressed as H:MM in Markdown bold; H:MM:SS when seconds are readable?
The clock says **11:28**
